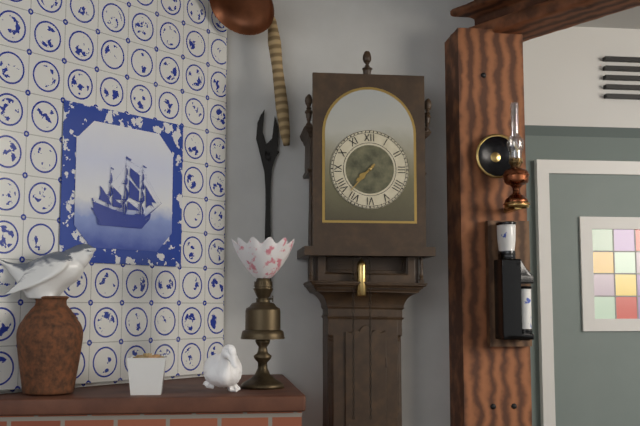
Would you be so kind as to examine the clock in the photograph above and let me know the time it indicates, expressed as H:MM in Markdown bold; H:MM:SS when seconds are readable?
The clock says **7:37**
